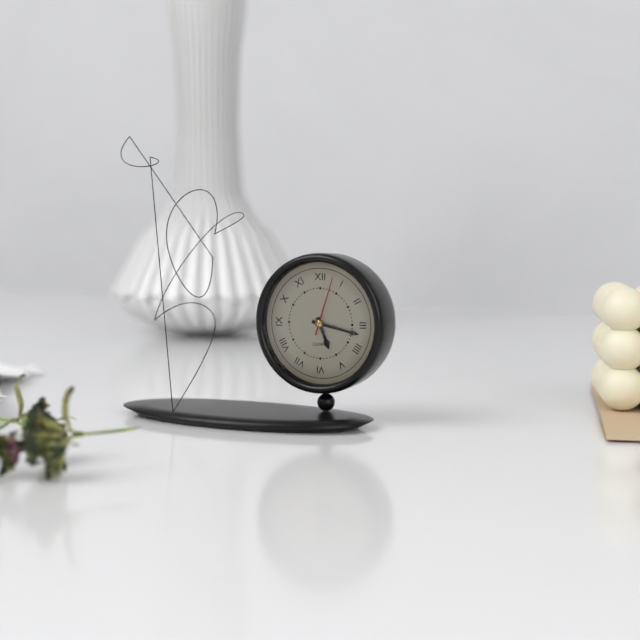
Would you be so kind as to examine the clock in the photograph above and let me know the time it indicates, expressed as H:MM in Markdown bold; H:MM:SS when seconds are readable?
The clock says **5:17:03**
